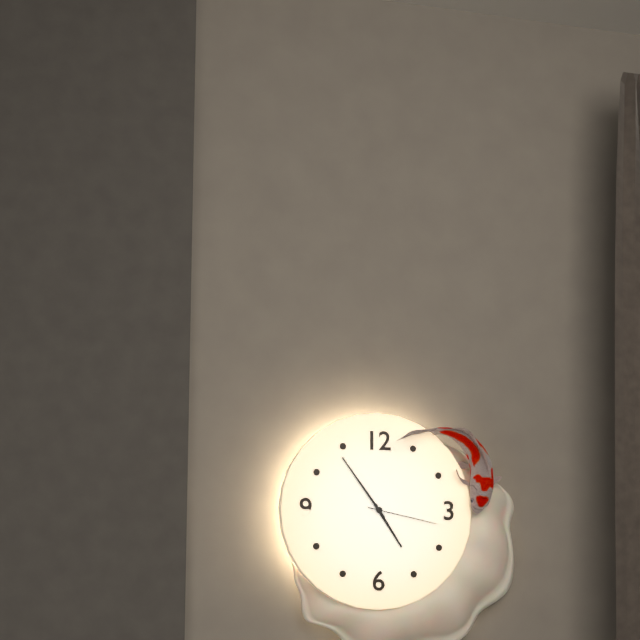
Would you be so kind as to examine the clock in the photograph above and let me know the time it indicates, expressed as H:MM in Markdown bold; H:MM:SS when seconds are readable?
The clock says **4:54:17**
